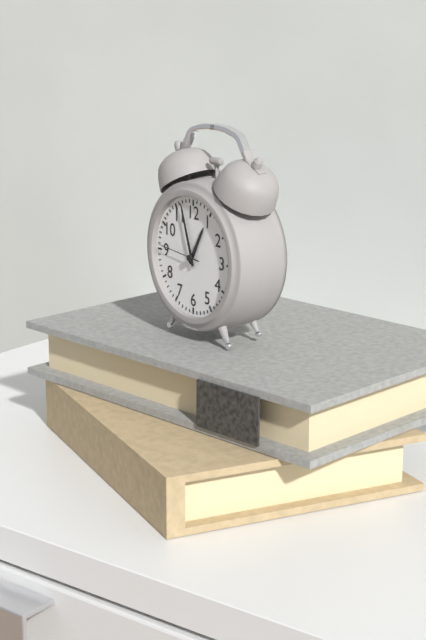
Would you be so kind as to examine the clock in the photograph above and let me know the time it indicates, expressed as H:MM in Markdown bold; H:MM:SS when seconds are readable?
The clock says **12:57**
